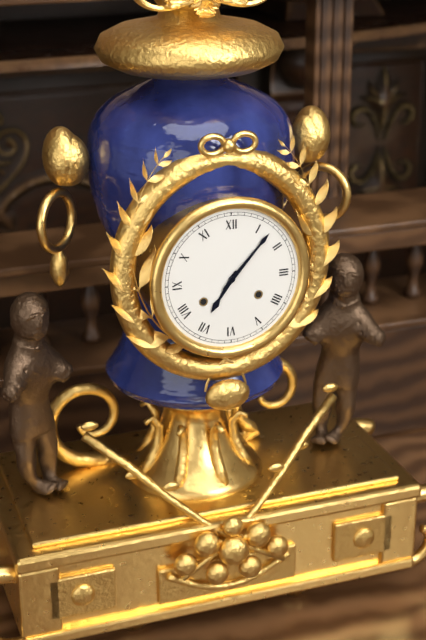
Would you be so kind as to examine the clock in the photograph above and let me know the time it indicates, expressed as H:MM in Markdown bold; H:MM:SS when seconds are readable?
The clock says **7:07**
